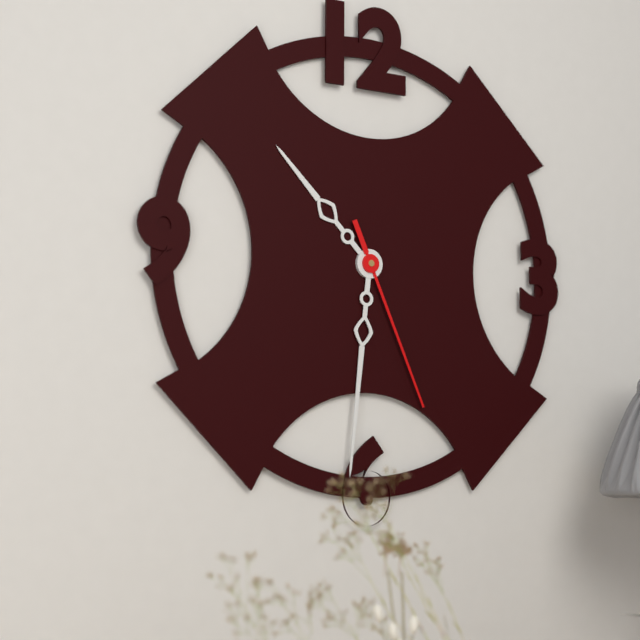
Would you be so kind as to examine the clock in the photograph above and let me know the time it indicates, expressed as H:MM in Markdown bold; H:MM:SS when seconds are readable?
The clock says **10:31:26**
